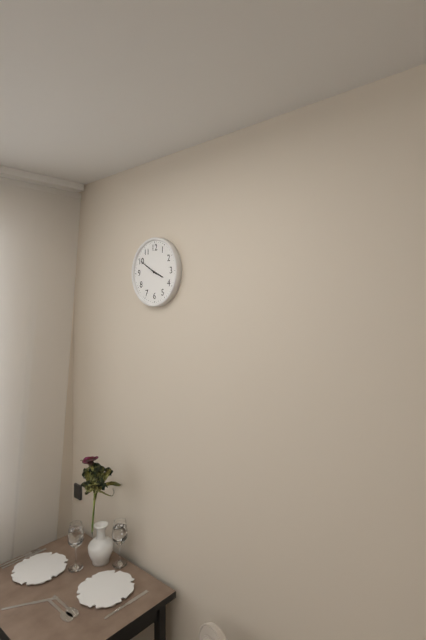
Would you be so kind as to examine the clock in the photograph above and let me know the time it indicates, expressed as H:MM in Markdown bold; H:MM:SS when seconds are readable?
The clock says **3:50**
